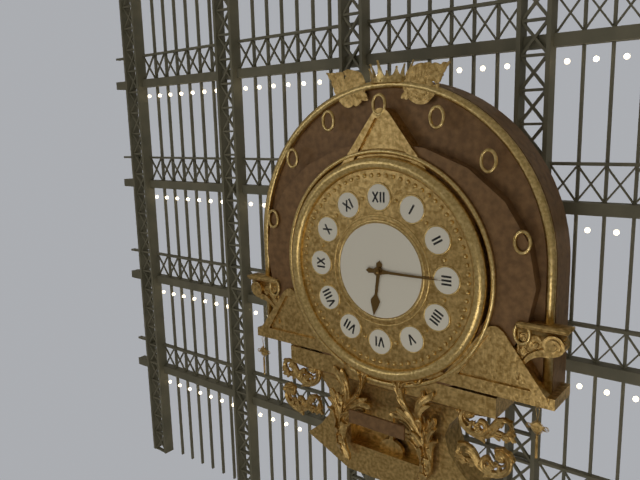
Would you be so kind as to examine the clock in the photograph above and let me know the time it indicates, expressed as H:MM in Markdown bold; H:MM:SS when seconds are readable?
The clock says **6:15**
